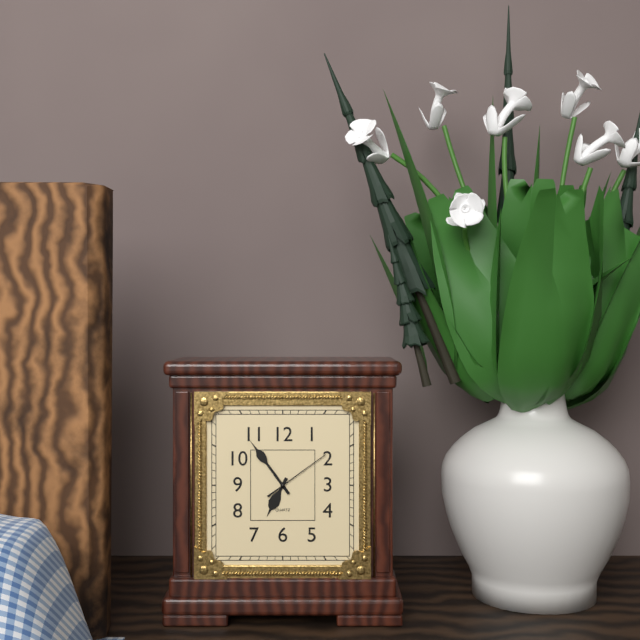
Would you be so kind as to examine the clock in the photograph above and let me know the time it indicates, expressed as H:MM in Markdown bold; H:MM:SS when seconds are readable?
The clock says **6:54:09**
